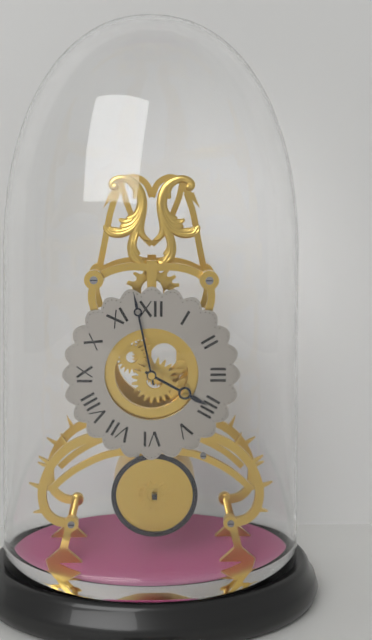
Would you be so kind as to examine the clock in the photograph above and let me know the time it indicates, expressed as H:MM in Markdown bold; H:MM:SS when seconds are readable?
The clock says **3:58**
